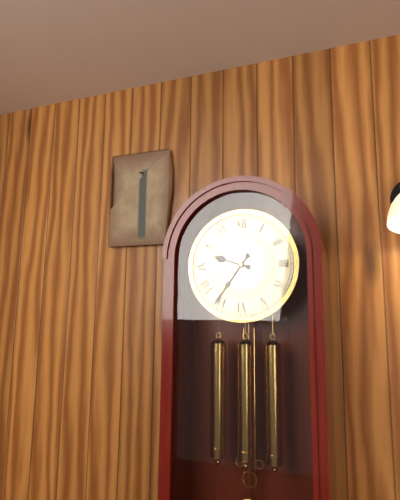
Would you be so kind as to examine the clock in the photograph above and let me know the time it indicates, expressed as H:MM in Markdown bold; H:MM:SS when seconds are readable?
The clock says **9:36**
